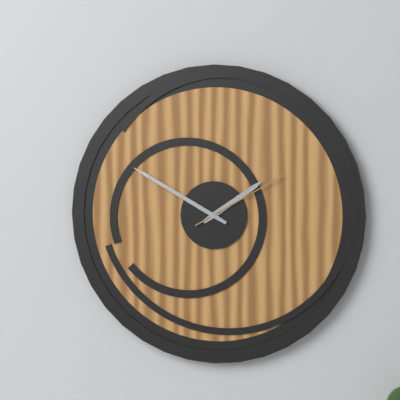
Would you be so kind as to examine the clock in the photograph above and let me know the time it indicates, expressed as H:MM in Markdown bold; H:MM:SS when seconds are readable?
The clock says **1:50:10**
